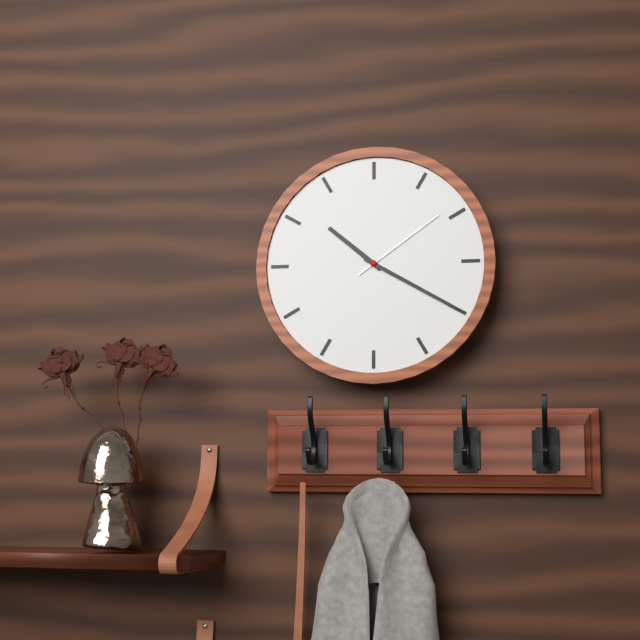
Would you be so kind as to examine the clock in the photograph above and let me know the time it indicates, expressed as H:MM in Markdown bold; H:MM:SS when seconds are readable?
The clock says **10:20:09**
